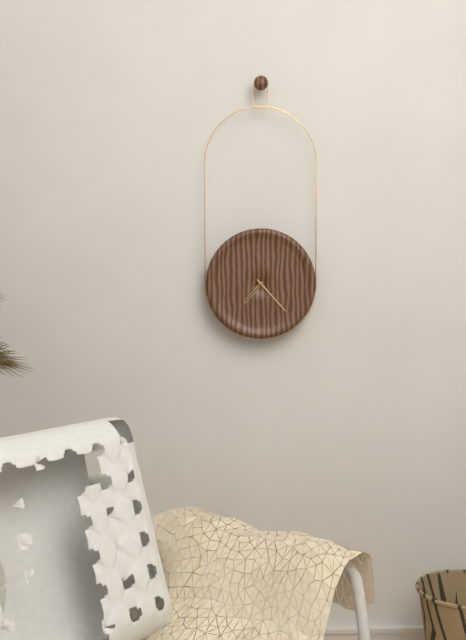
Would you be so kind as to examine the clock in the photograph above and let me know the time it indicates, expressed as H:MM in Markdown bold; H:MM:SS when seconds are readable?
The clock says **7:23**
